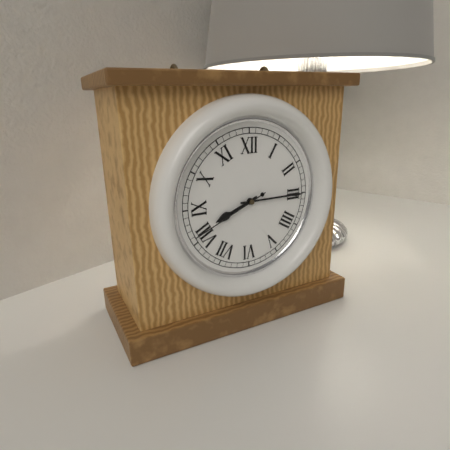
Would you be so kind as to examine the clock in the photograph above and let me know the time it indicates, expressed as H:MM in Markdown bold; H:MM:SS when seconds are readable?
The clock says **8:15:41**
